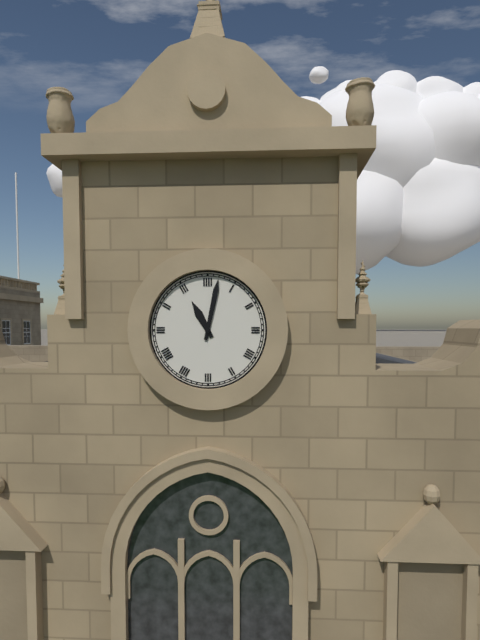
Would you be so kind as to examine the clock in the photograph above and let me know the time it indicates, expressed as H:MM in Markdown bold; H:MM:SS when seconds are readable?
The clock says **11:02**
